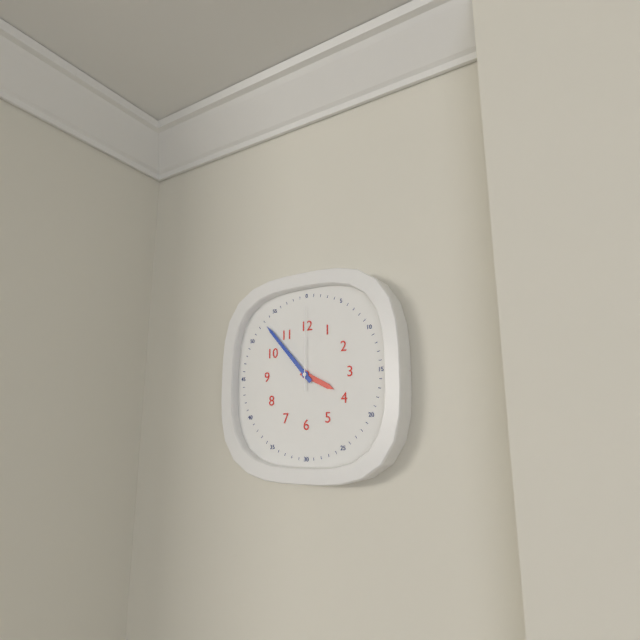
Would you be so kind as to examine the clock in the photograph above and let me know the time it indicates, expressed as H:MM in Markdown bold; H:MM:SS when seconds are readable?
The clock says **3:53:00**
